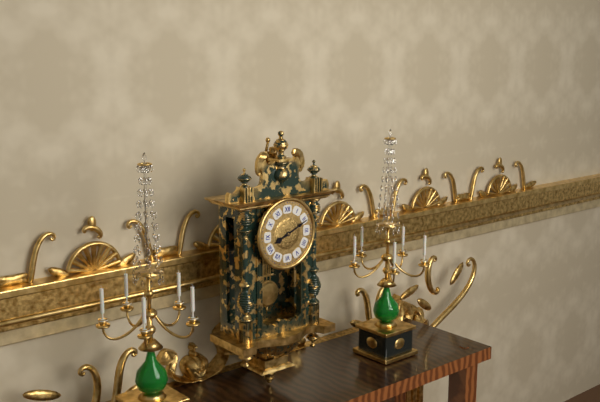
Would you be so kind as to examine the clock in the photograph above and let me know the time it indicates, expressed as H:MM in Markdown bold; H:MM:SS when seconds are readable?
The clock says **8:11**
